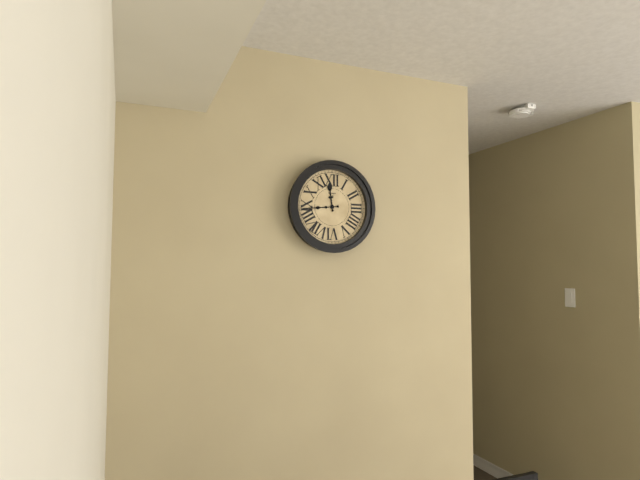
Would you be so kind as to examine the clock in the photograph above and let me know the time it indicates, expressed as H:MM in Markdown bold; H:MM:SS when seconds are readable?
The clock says **11:44**
